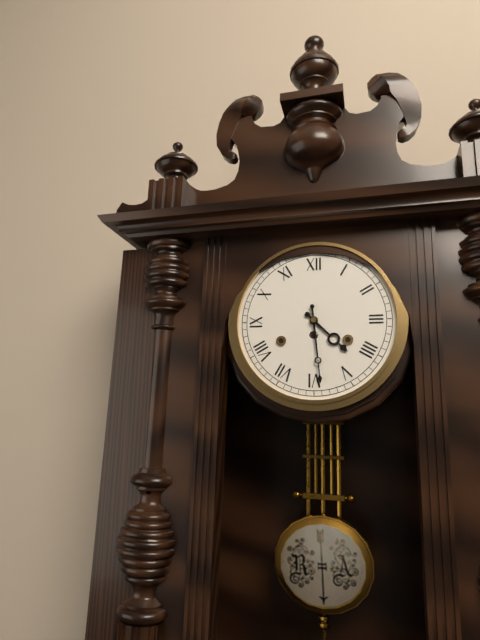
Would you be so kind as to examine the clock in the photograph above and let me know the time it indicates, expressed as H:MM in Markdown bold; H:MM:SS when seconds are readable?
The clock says **4:29**
